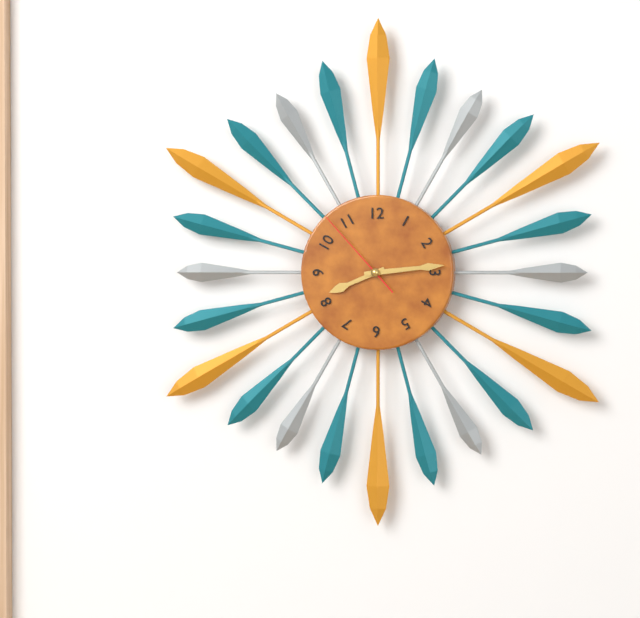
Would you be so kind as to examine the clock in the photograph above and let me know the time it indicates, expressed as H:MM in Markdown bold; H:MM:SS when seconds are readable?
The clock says **8:14:53**
